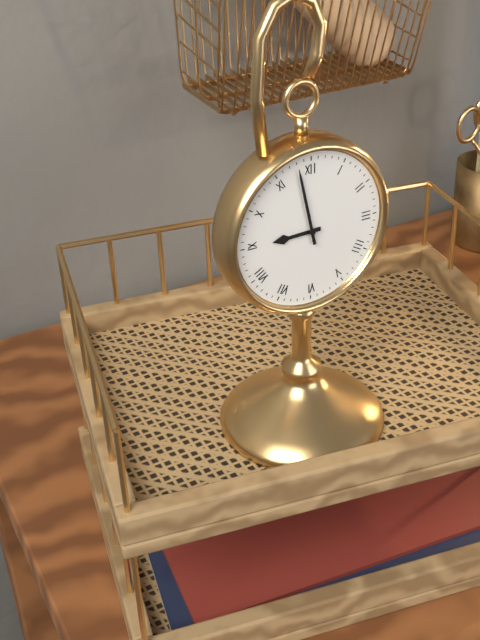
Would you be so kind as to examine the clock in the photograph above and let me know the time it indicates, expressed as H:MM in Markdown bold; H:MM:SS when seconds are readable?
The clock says **8:58**
